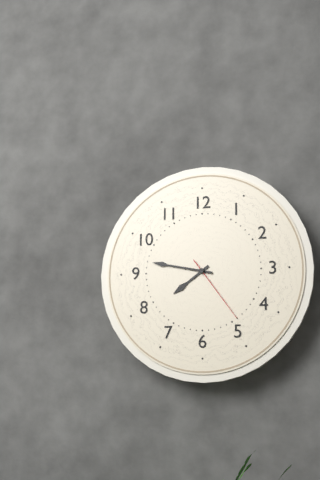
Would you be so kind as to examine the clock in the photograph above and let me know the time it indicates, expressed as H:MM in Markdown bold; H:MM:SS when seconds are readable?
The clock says **7:47:24**
